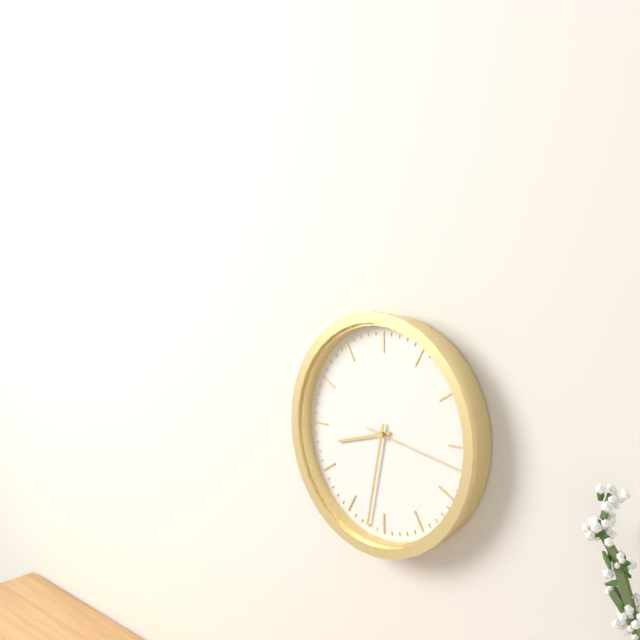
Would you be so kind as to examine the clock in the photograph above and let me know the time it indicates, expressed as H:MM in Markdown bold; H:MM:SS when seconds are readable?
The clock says **8:32:17**
